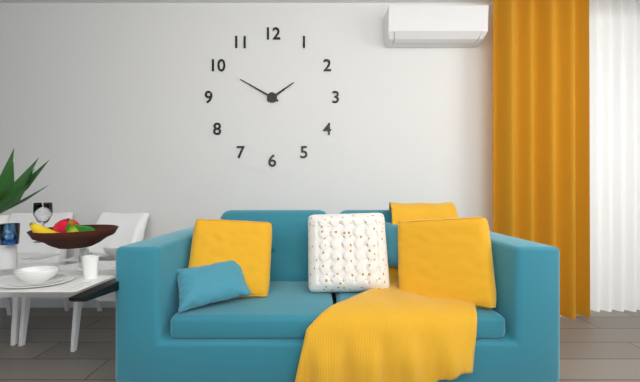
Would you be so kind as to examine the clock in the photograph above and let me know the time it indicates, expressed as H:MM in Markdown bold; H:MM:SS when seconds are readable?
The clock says **1:50**
